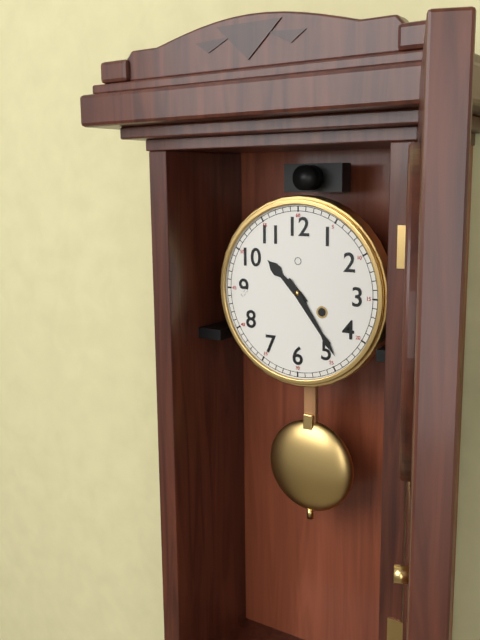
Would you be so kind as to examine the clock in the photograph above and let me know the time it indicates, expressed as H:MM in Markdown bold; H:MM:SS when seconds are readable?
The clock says **10:24**
